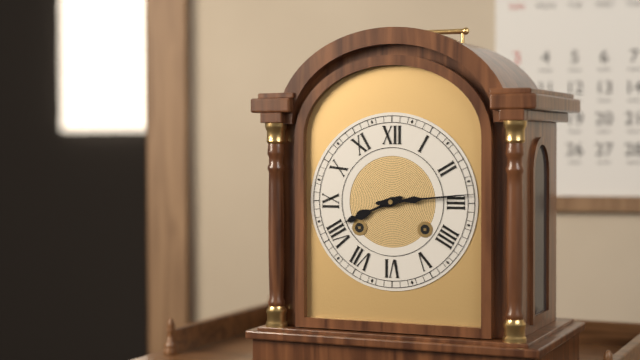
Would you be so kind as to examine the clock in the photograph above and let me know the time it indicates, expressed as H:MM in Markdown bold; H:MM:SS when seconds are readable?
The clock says **8:14**
